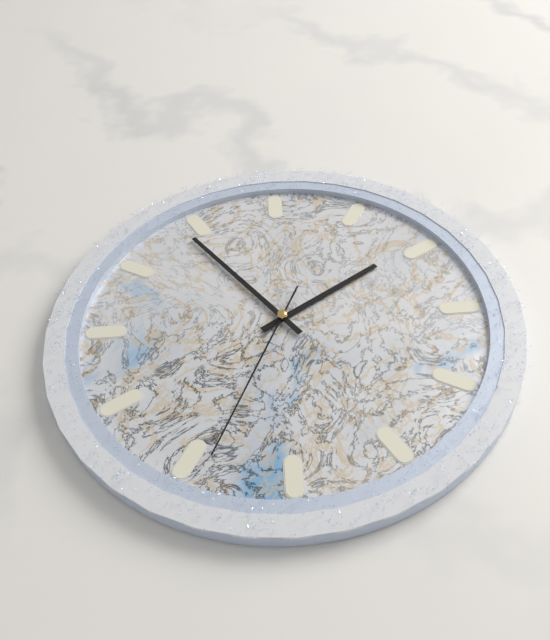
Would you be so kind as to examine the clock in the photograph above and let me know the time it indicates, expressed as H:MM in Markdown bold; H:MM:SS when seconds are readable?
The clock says **1:54:34**
